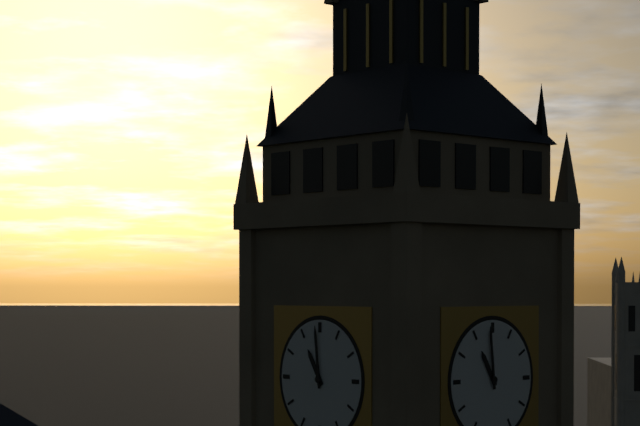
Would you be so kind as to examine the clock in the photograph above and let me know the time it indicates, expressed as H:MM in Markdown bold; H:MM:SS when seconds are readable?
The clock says **10:59**
